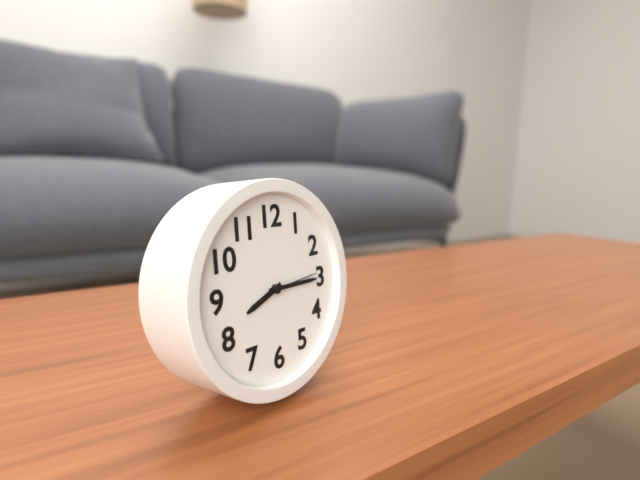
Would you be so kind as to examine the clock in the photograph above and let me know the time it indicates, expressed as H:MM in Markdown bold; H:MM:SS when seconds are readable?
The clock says **8:15:14**
